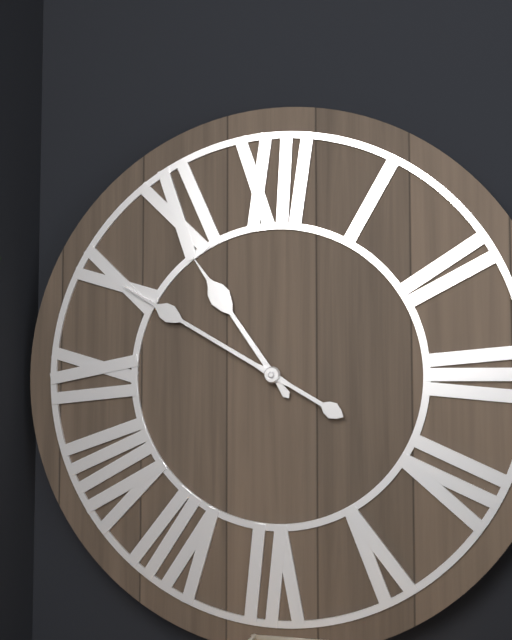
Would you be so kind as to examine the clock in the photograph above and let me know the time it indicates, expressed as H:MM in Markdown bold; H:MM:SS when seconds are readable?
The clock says **10:50**
